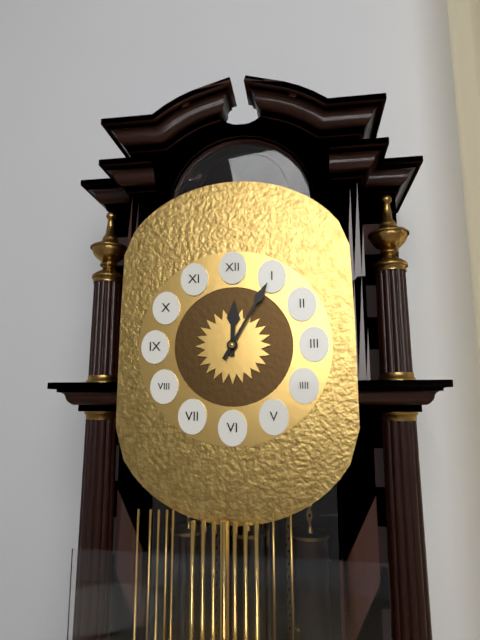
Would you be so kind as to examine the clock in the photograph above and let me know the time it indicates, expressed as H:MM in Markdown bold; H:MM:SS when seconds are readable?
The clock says **12:05**
